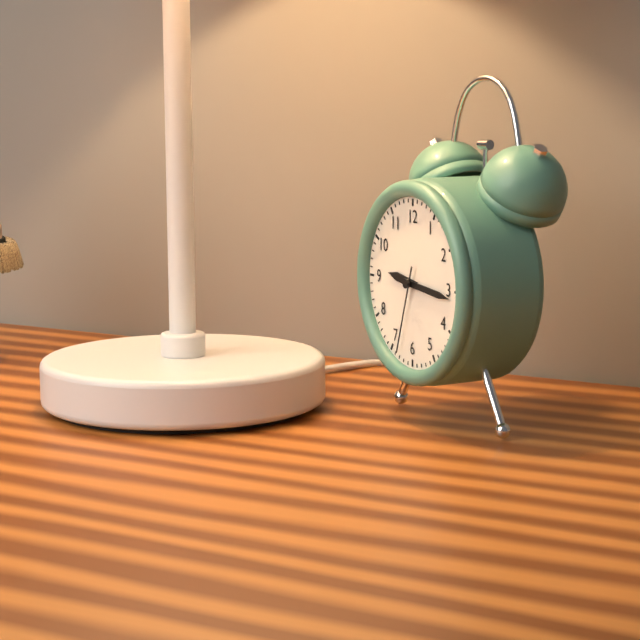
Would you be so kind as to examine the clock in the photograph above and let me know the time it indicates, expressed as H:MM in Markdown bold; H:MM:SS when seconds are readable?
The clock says **9:16:33**
